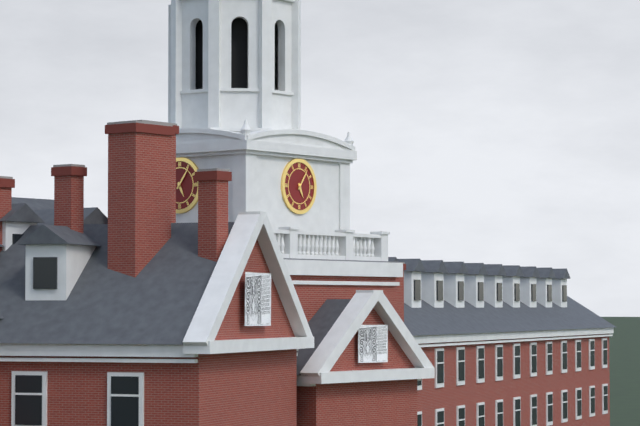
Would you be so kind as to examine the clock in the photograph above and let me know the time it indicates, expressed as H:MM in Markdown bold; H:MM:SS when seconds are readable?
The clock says **5:06**
